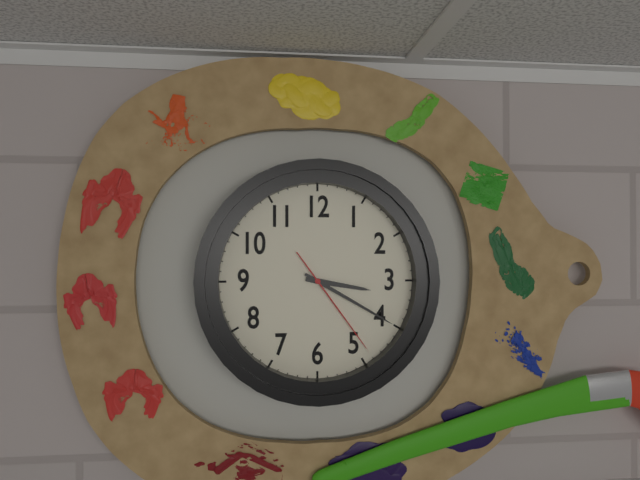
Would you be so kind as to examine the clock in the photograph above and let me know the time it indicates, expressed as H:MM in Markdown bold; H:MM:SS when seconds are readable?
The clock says **3:20:24**
